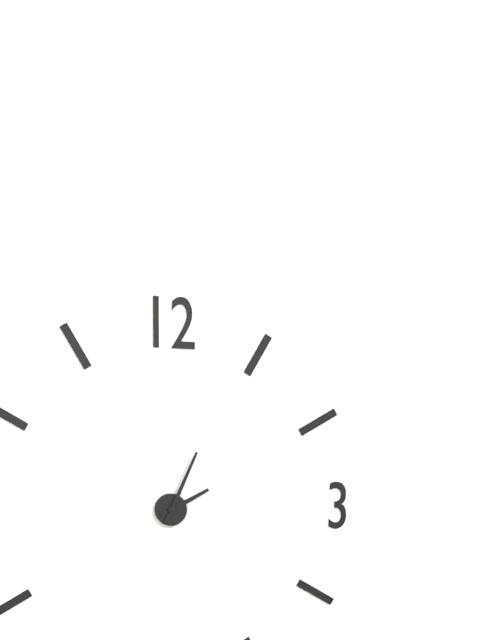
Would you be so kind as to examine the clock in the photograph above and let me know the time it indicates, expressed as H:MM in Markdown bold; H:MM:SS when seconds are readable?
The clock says **2:04**
